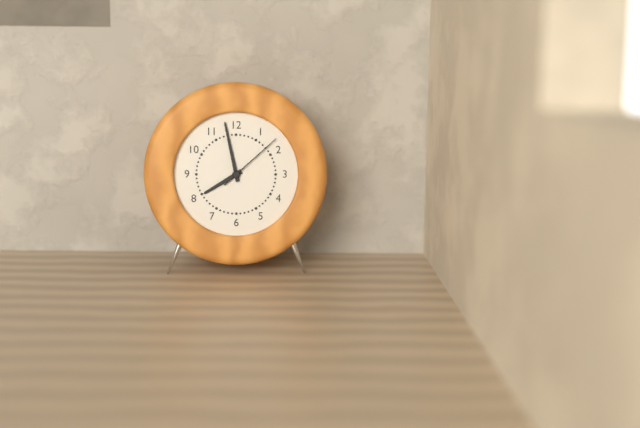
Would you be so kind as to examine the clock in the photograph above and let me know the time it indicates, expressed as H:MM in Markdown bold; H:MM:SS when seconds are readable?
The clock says **7:58:08**
